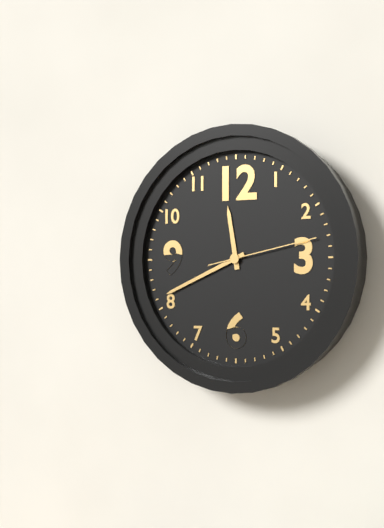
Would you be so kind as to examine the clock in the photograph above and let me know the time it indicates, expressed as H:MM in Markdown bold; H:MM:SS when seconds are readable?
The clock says **11:41:13**
